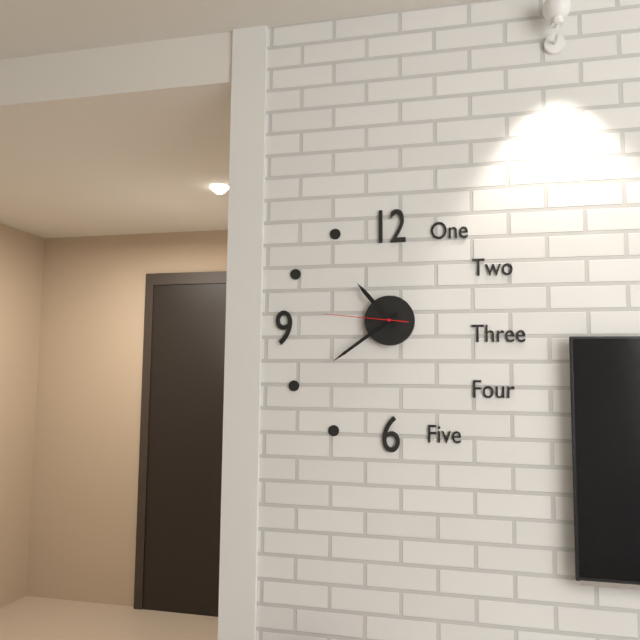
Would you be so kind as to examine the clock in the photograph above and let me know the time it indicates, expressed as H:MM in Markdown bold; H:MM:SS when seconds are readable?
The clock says **10:39:46**
